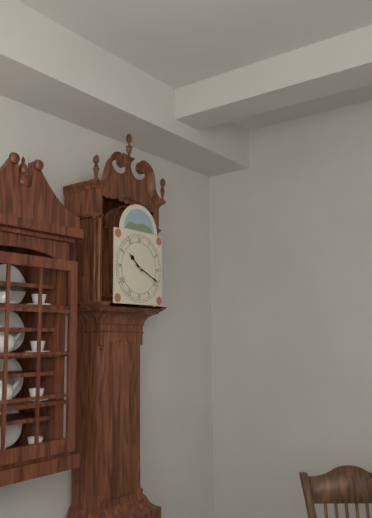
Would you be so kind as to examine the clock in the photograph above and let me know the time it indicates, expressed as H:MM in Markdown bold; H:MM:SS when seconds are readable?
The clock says **10:19**
